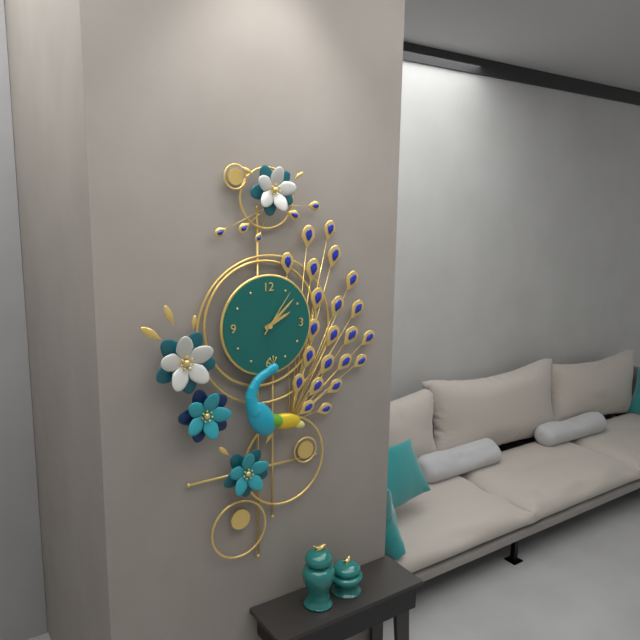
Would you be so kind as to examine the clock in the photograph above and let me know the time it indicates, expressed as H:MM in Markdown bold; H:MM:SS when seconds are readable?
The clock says **2:08:06**
